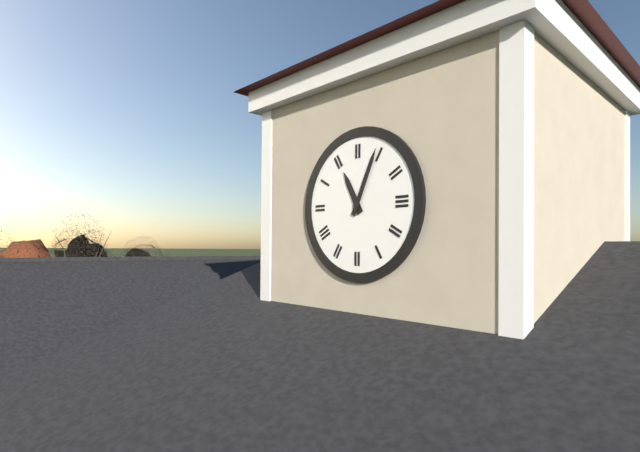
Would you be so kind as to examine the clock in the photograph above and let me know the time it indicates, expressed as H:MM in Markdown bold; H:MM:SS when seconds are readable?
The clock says **11:04**
